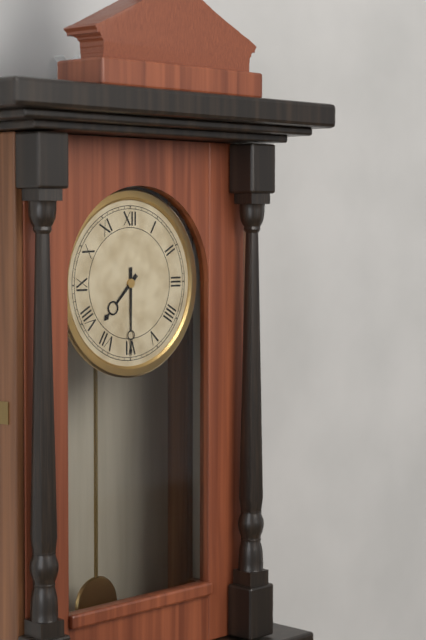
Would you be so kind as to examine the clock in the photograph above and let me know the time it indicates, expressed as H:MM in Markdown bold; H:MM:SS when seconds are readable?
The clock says **7:30**
